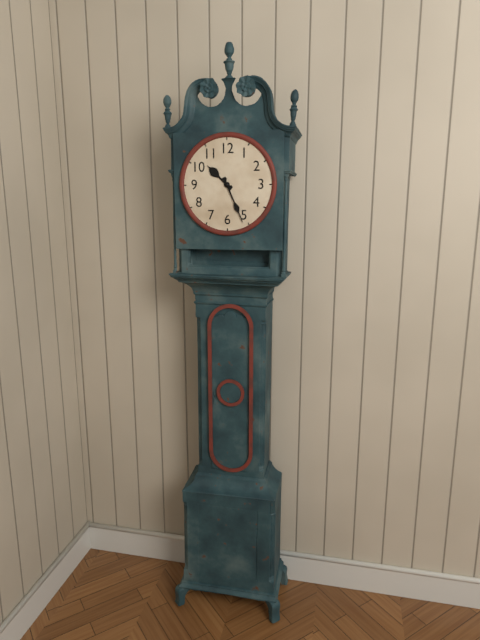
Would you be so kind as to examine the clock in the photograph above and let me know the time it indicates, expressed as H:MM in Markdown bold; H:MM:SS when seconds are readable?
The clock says **10:26**
